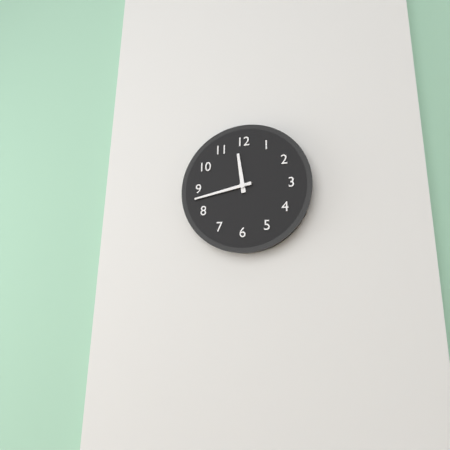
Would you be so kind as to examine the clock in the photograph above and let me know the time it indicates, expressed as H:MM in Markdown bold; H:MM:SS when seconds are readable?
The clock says **11:43**
